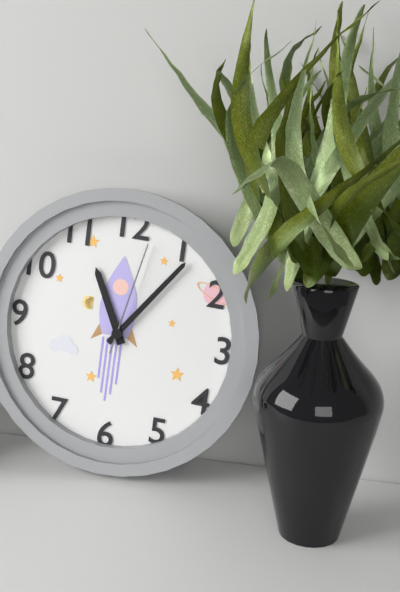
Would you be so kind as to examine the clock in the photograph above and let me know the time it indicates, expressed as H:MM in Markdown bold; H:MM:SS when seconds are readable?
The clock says **11:06:02**
